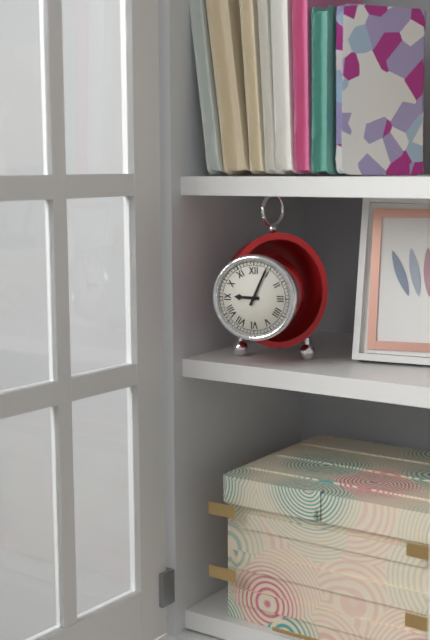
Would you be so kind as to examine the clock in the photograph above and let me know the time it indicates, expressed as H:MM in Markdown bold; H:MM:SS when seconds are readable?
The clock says **9:04**
